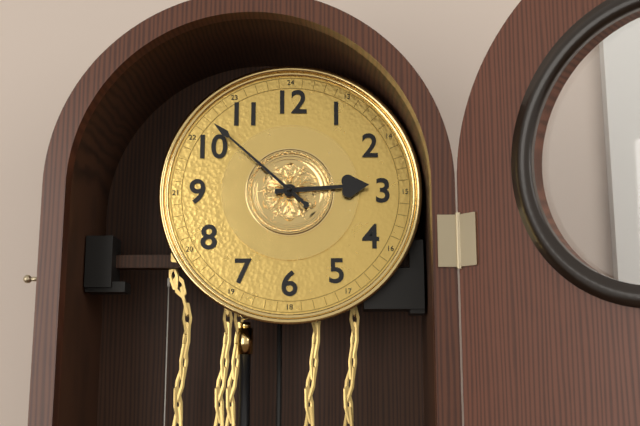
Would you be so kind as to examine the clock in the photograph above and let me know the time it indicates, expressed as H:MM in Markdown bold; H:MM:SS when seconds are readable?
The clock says **2:52**
